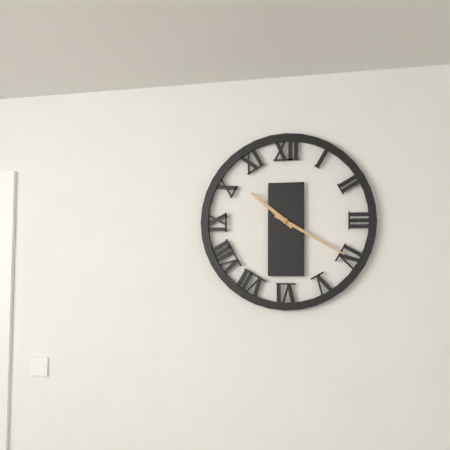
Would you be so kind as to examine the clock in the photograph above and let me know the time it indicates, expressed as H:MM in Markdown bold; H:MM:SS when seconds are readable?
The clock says **10:20**
